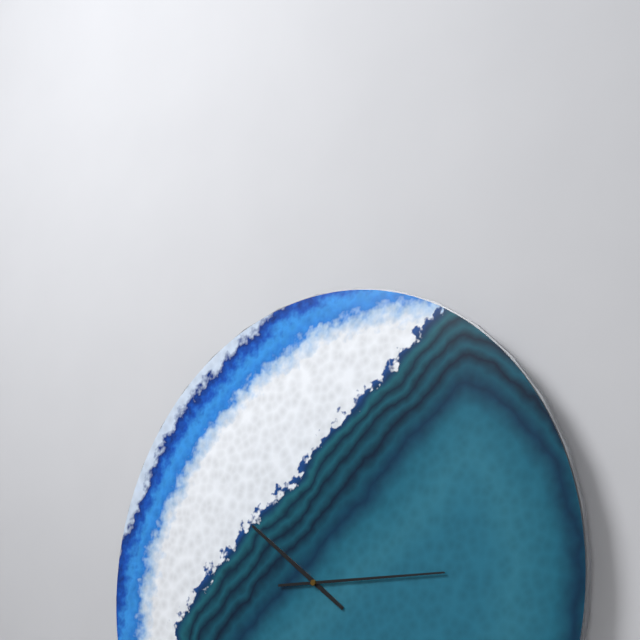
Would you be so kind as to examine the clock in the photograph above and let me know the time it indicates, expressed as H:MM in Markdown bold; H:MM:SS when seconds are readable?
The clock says **10:15**
